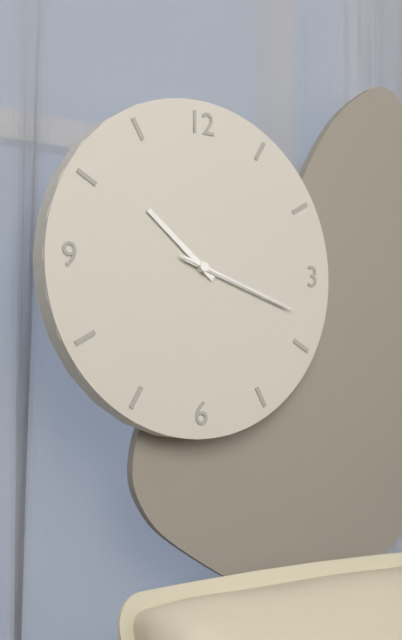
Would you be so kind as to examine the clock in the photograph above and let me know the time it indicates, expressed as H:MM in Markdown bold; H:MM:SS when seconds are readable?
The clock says **10:18:18**
